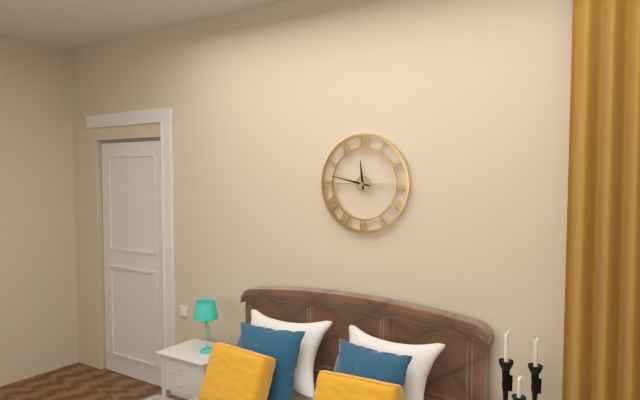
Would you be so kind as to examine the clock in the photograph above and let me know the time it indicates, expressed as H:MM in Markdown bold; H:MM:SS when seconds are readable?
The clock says **11:47**
